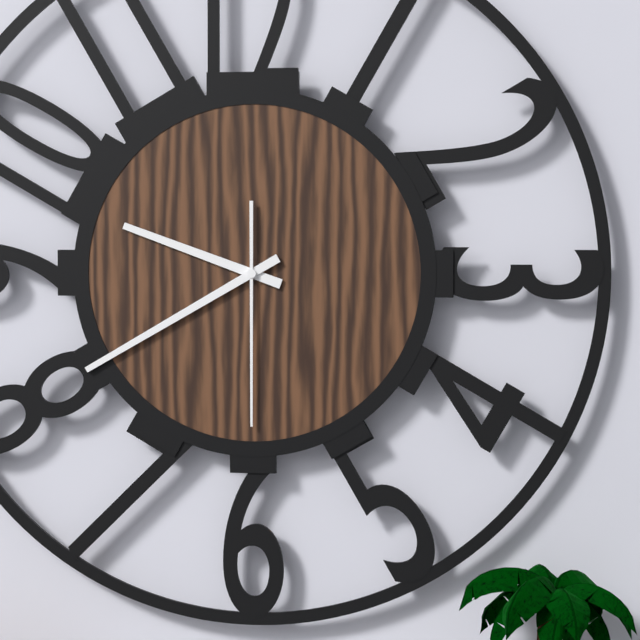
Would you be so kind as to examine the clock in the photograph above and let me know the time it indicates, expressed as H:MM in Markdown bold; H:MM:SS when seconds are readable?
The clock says **9:40:30**
